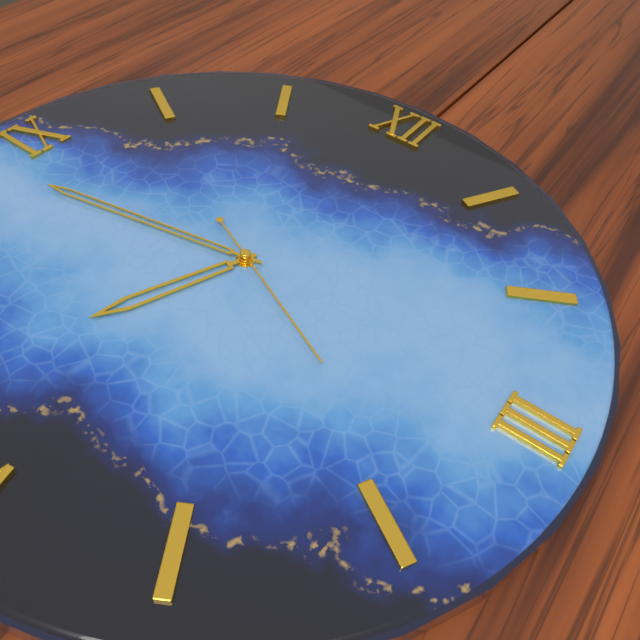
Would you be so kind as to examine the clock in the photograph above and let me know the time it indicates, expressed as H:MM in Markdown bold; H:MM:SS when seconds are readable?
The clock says **6:43:19**
